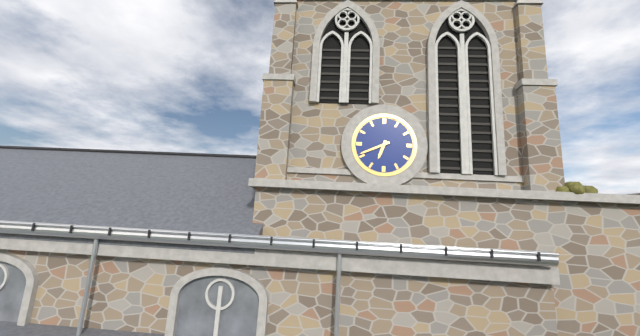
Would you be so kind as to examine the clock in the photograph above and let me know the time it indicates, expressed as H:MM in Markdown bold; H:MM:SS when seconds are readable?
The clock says **6:41**
